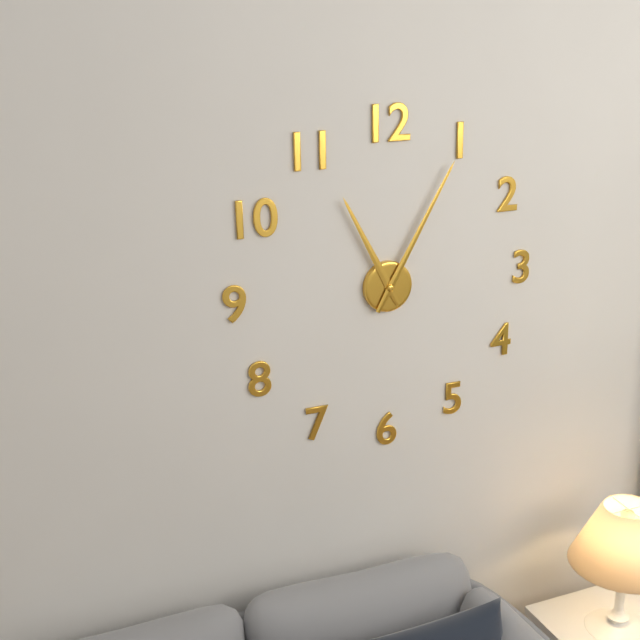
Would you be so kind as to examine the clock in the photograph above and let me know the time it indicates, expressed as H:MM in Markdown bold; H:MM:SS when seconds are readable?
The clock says **11:05**
